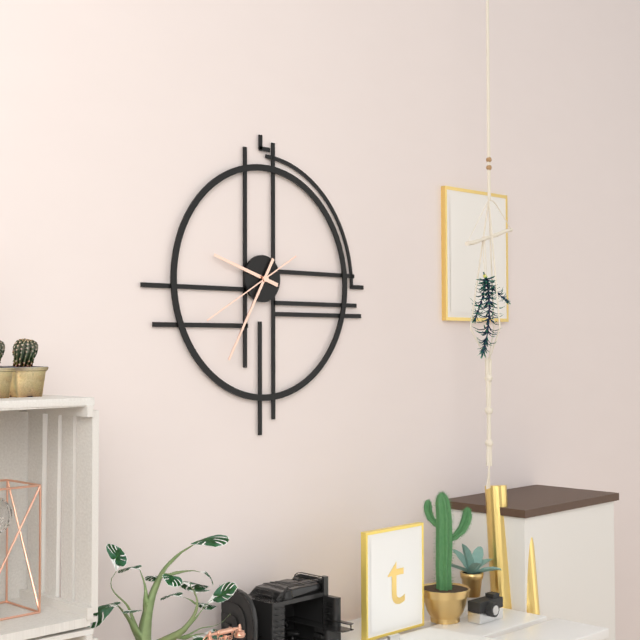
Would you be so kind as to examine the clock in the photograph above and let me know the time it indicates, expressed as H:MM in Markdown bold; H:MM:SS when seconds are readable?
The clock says **9:35:40**
